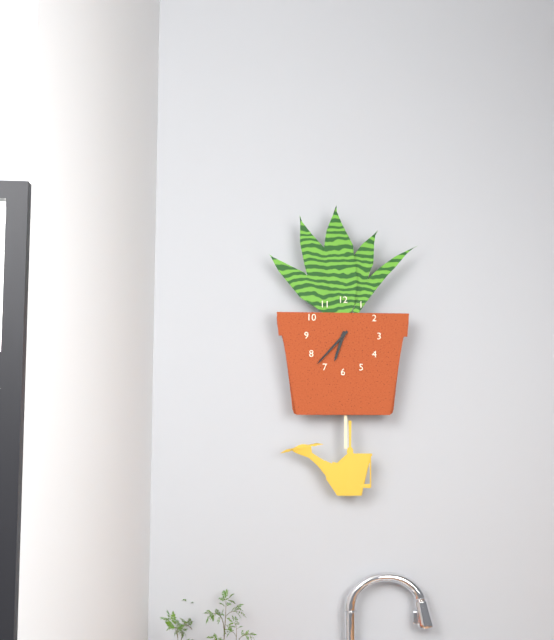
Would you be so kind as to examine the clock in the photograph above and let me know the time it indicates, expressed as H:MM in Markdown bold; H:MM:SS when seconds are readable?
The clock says **6:37**
